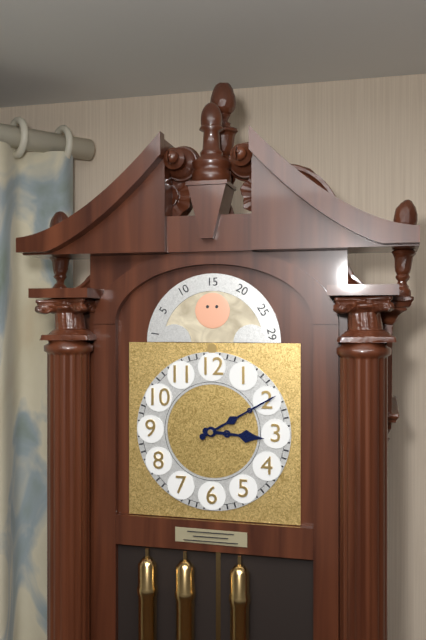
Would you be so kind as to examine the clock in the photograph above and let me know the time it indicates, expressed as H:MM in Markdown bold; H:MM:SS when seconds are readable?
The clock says **3:10**
